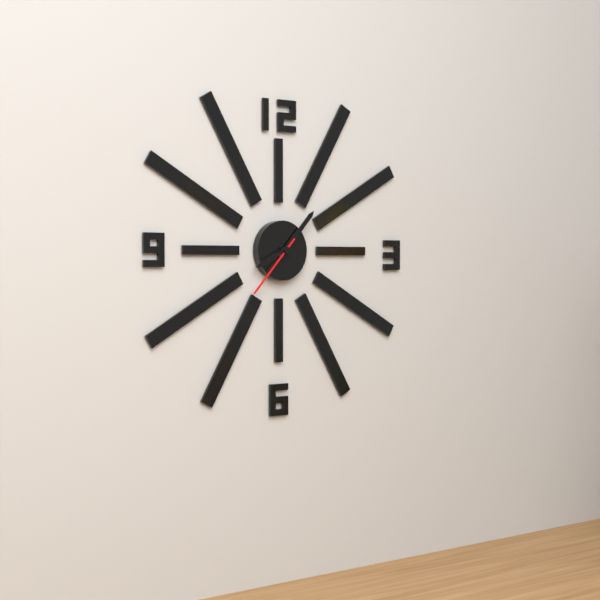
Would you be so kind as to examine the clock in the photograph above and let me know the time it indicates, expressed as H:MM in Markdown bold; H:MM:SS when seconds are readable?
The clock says **8:07:37**
